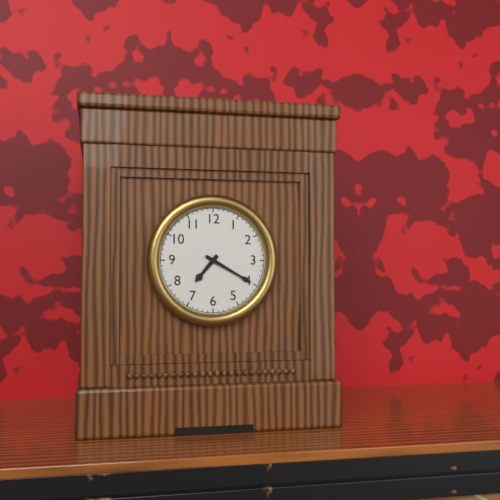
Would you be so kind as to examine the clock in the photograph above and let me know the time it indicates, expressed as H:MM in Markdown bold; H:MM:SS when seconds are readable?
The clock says **7:20**
